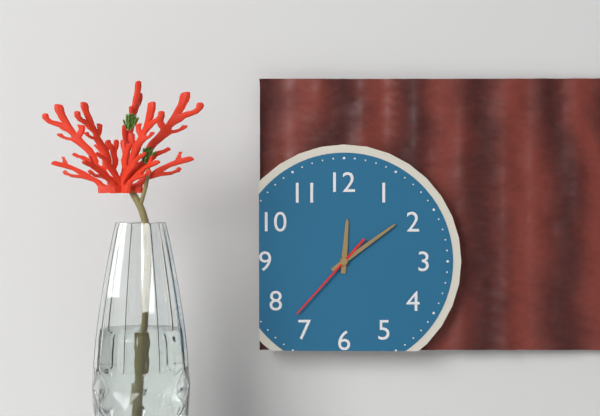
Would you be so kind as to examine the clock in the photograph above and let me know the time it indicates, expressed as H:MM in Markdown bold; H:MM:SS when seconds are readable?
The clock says **12:09:37**
